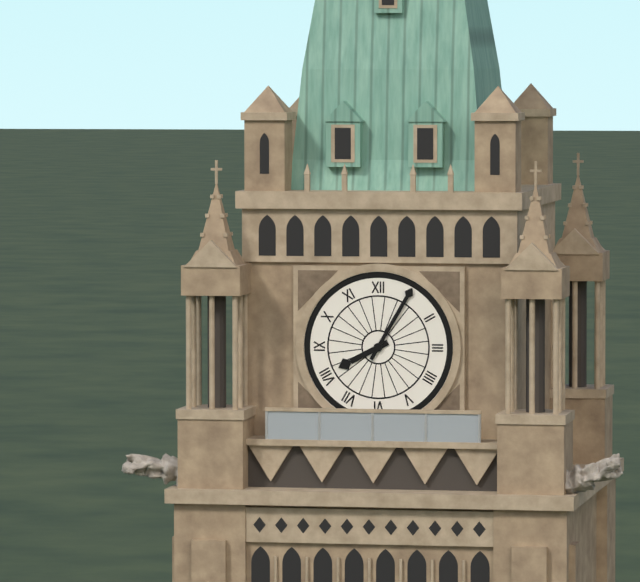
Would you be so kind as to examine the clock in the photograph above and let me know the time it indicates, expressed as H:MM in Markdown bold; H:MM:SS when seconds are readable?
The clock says **8:05**
